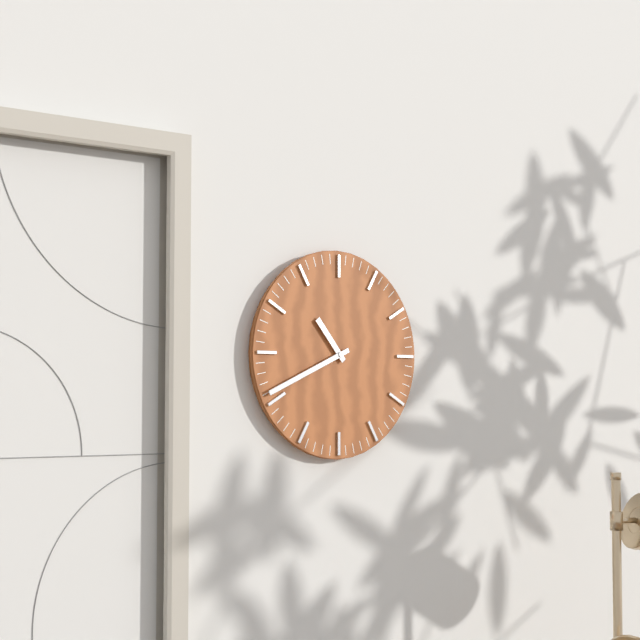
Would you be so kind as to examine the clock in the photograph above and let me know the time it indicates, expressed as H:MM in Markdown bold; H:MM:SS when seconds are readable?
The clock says **10:41**
